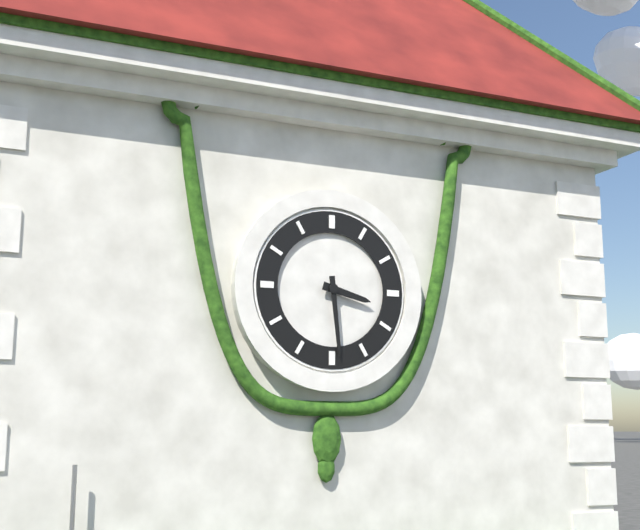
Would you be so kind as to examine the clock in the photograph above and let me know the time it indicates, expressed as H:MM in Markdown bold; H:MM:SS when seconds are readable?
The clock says **3:29**
